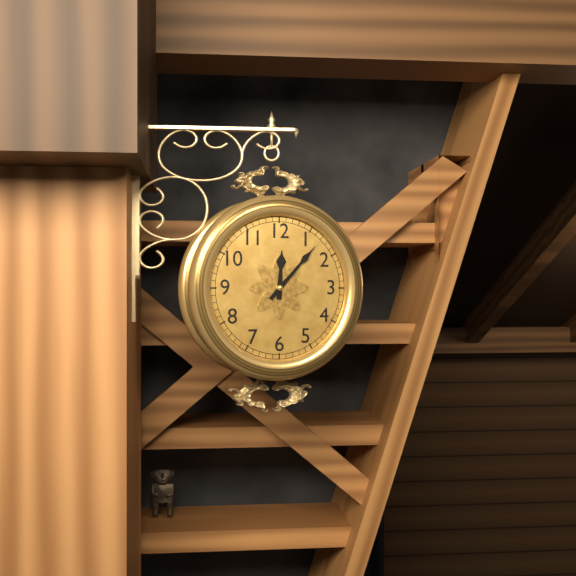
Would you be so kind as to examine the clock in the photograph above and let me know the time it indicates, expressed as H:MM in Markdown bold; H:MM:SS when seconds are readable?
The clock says **12:07**
